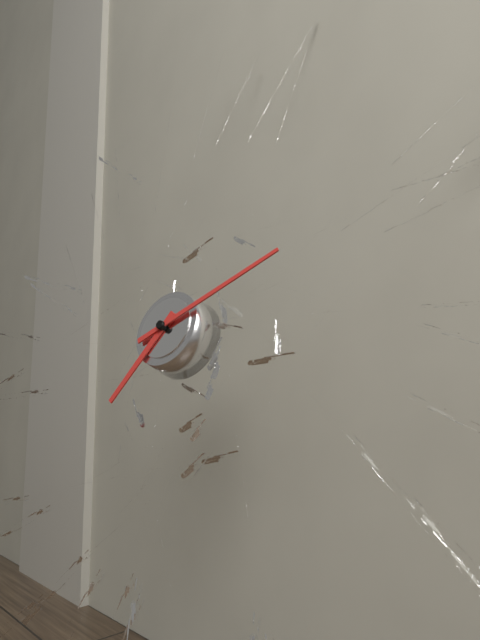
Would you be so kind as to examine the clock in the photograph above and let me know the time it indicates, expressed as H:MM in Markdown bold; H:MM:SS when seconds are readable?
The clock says **7:11**
